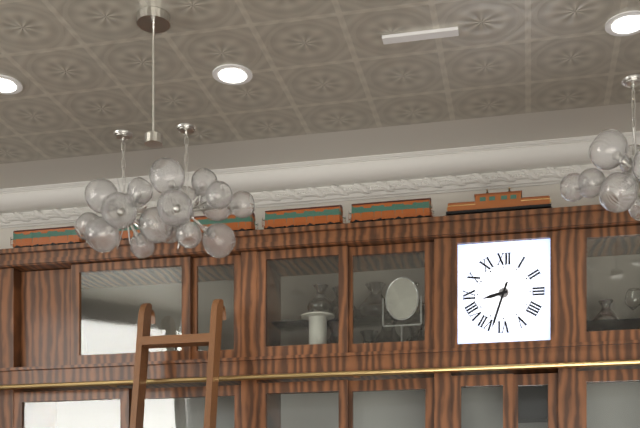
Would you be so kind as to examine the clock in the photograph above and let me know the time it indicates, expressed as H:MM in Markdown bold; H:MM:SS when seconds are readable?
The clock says **8:33**
